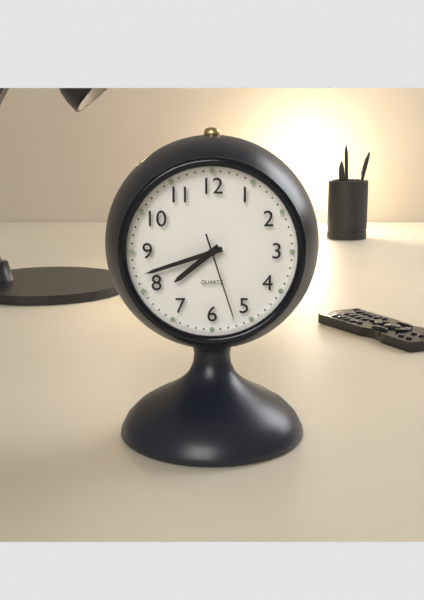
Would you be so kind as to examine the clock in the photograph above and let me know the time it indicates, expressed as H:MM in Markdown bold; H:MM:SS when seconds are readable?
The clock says **7:42:27**
